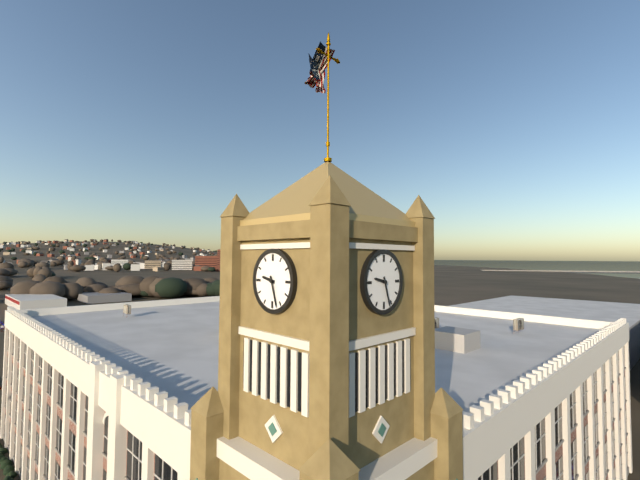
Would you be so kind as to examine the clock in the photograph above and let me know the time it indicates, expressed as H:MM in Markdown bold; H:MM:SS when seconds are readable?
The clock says **9:27**
